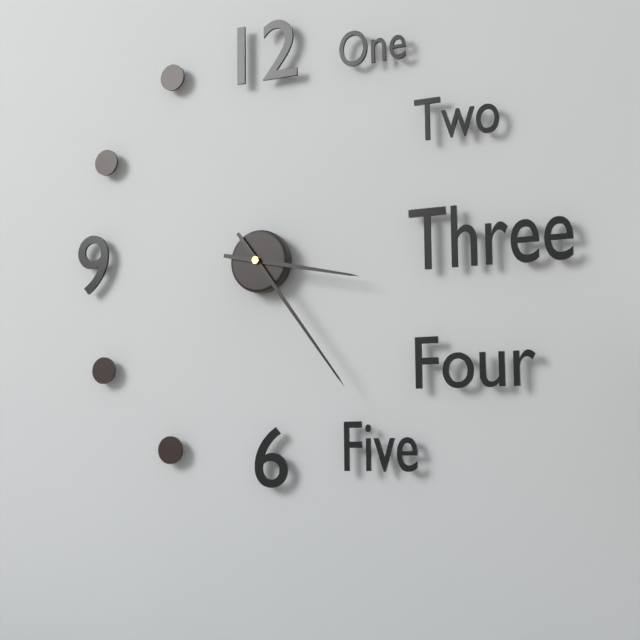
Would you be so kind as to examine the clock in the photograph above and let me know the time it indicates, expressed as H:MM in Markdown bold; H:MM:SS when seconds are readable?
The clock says **3:24**
